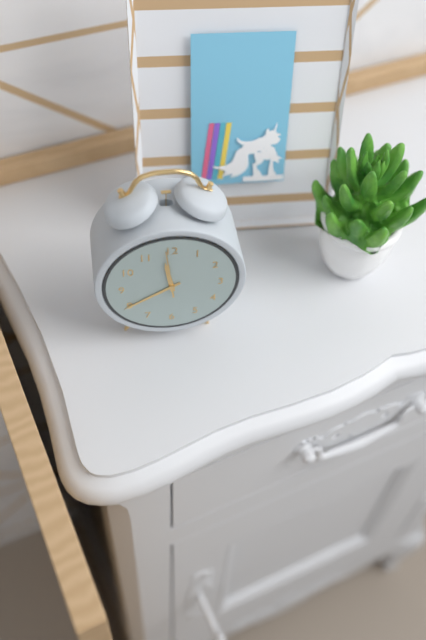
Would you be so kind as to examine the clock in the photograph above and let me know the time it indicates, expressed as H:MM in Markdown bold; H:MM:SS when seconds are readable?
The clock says **11:40**
